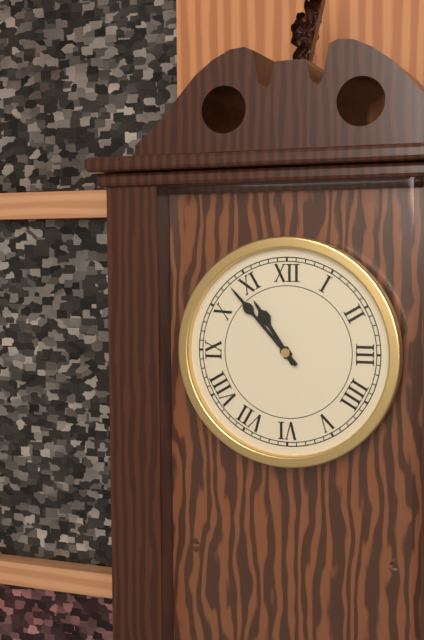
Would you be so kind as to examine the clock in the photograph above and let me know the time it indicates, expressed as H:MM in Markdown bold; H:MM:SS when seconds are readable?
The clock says **10:53**
